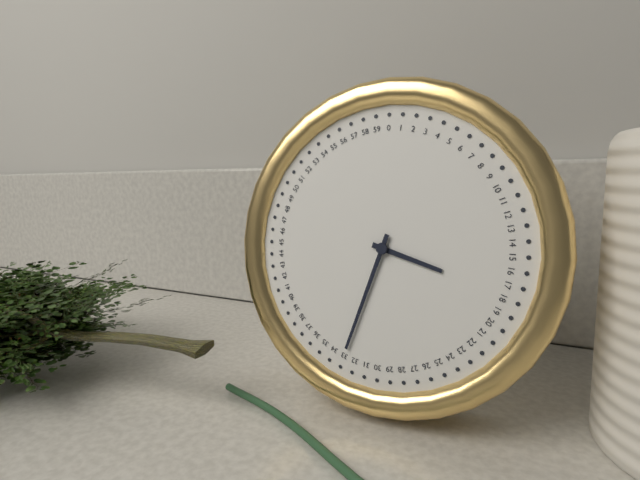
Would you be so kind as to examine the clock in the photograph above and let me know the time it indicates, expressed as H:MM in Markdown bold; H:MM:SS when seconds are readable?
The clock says **3:33**
